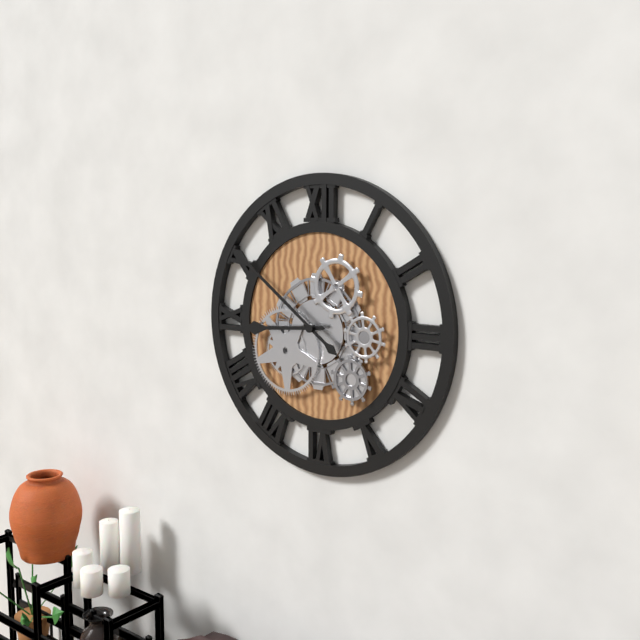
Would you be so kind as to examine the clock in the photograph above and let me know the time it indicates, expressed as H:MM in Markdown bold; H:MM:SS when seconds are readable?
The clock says **8:51**
